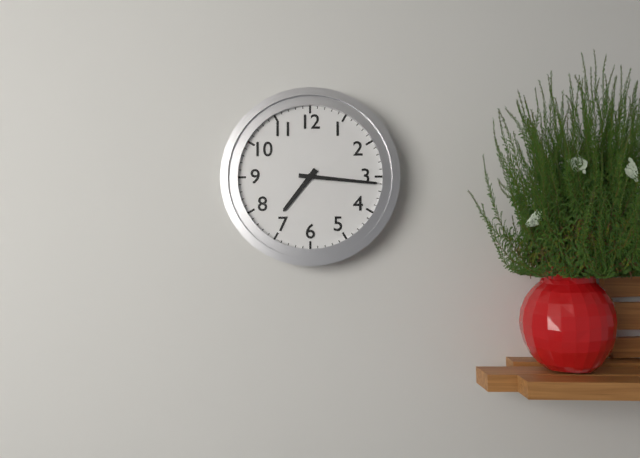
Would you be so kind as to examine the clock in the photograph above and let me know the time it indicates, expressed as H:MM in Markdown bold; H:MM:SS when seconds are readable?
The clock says **7:16**
